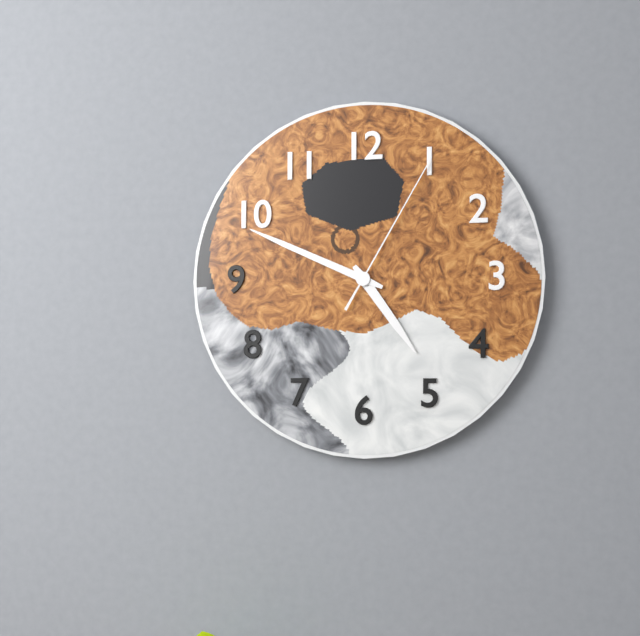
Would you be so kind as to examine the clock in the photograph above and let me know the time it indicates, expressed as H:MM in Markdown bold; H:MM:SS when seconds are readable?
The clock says **4:49:05**
